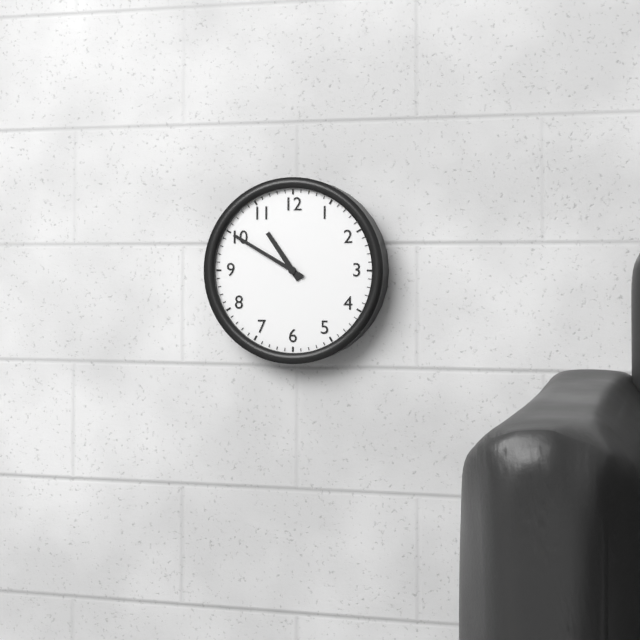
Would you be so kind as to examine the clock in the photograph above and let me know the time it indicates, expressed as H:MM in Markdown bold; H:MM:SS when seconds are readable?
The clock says **10:50**
